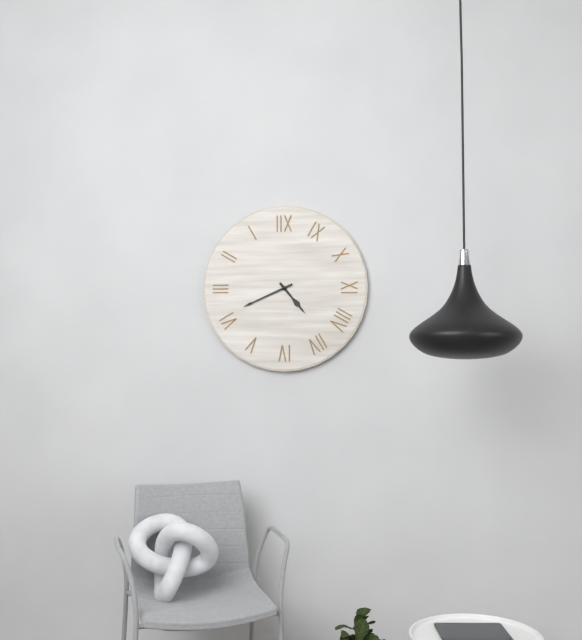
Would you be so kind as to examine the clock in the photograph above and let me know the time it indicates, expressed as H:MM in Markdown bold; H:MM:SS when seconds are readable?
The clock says **4:41**
